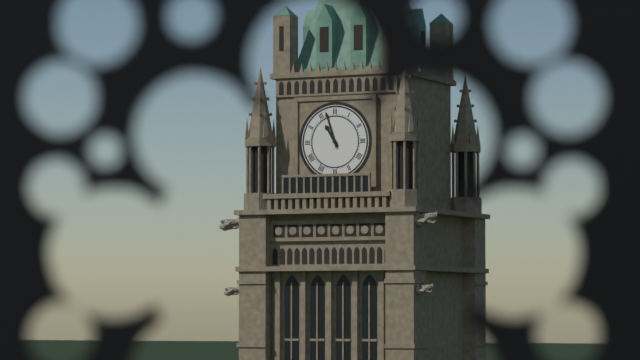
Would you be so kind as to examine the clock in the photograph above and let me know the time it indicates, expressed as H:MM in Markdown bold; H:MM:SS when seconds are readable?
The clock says **10:57**
